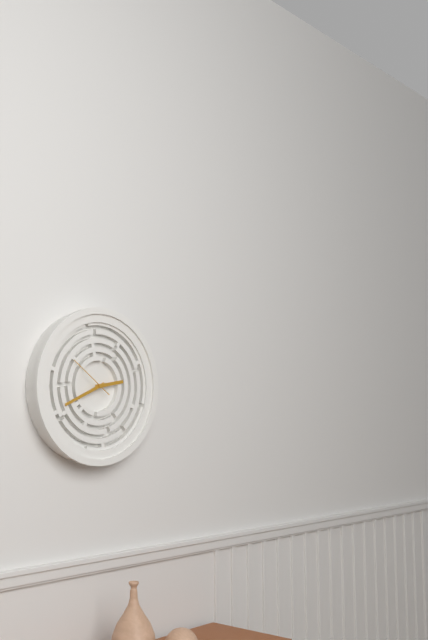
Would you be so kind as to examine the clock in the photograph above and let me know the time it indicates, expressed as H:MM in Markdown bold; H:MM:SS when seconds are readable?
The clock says **2:41**
